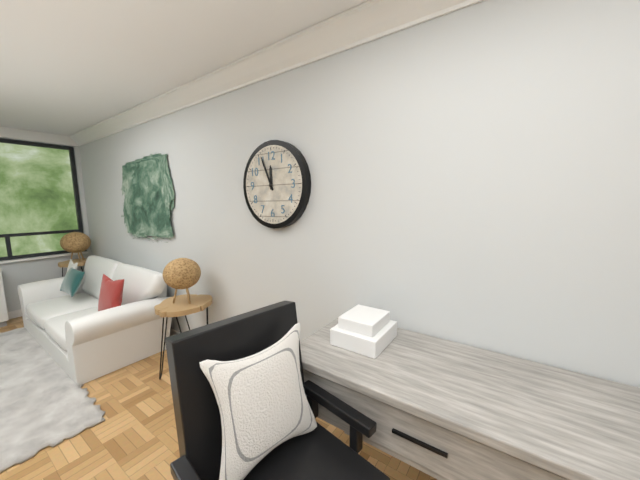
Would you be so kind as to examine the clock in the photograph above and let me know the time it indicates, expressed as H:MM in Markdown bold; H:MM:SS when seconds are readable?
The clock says **11:56**
